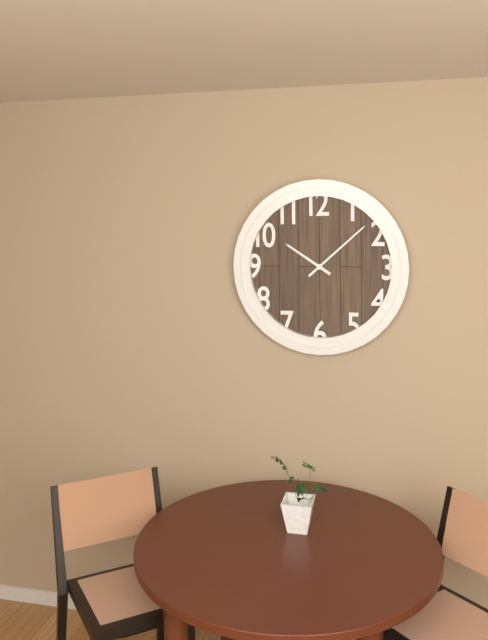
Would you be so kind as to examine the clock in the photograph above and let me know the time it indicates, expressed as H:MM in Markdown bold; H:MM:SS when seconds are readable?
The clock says **10:08**
